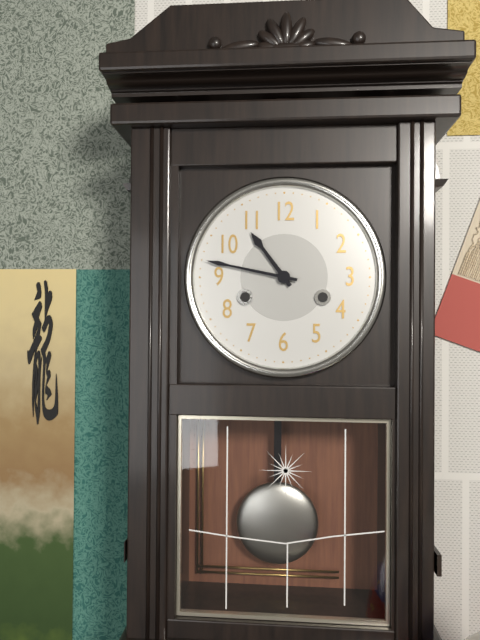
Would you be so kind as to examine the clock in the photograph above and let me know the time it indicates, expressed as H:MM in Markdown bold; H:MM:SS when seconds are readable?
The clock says **10:47**
